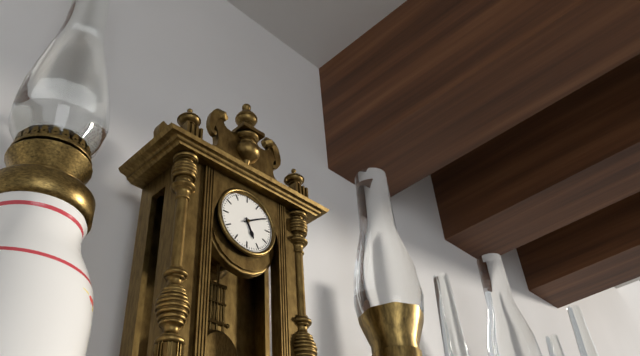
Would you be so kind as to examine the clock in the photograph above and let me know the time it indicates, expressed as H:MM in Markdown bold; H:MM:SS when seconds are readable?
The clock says **5:10**
